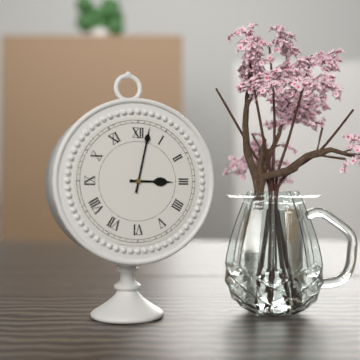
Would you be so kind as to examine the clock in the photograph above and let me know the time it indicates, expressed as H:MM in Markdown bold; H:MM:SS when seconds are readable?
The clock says **3:02**
